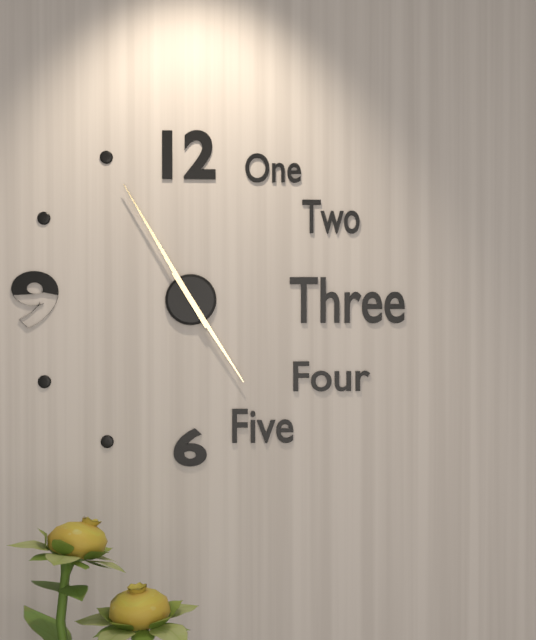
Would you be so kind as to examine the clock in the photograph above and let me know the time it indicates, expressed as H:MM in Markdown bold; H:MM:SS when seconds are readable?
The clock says **4:55**
